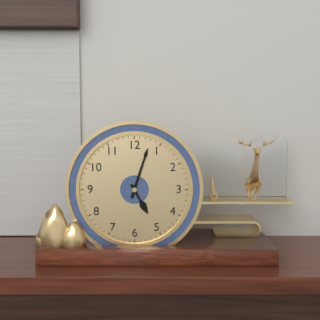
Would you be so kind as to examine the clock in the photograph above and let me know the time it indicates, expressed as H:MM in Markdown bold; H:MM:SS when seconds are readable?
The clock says **5:03**
